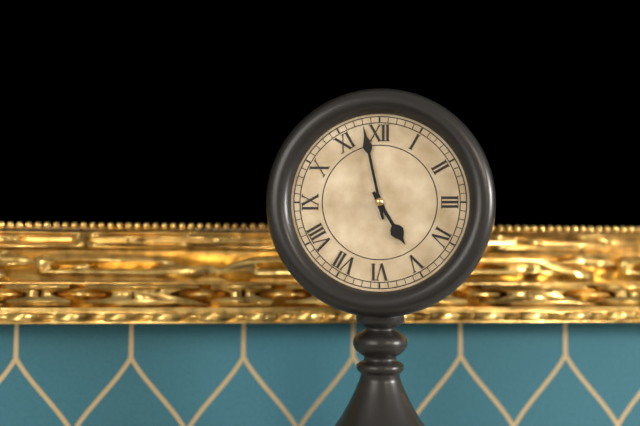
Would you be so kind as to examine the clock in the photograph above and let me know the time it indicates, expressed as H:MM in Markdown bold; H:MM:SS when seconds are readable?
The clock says **4:58**
